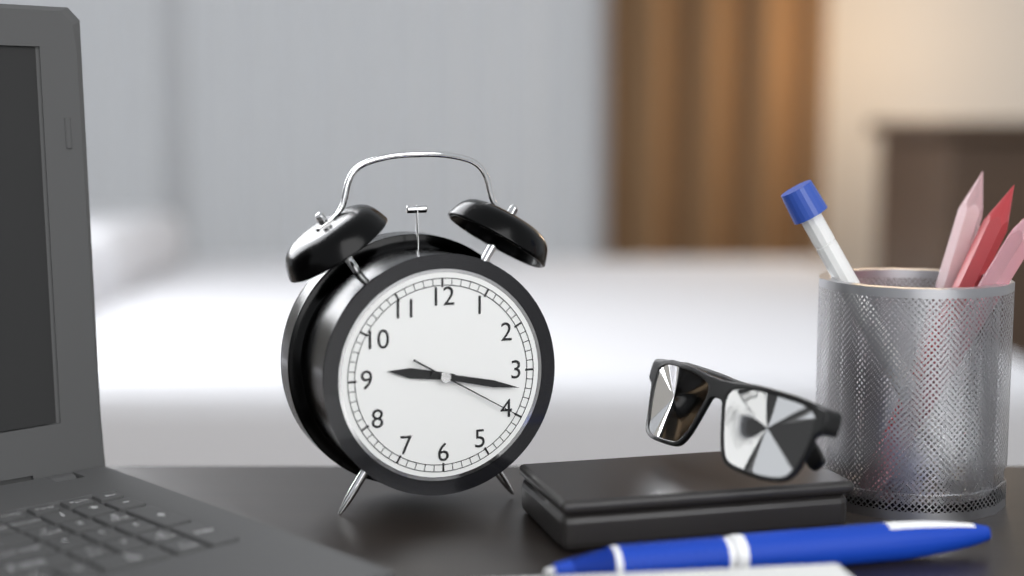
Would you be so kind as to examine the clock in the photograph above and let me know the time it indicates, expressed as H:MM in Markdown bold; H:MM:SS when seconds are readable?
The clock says **9:17:20**
